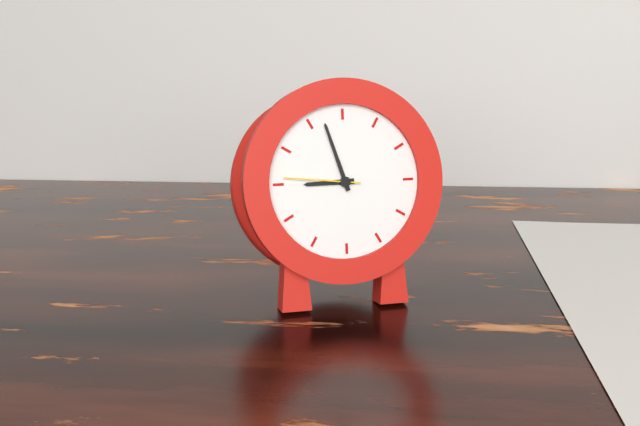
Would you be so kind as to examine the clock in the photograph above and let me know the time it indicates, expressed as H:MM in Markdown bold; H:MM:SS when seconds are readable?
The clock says **8:57:46**
